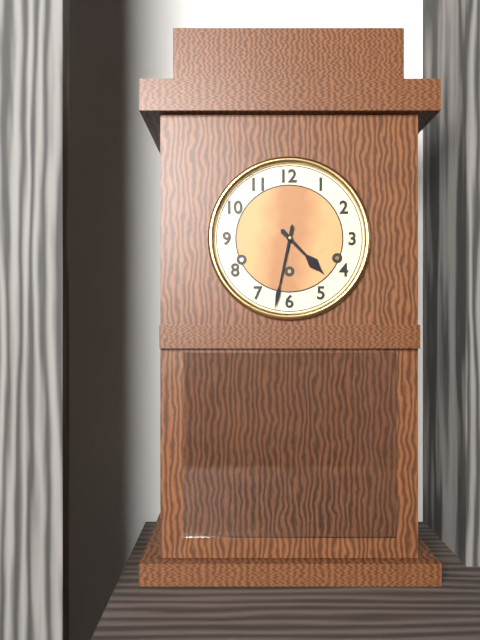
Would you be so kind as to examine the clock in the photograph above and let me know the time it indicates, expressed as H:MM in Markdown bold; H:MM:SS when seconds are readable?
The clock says **4:32**
